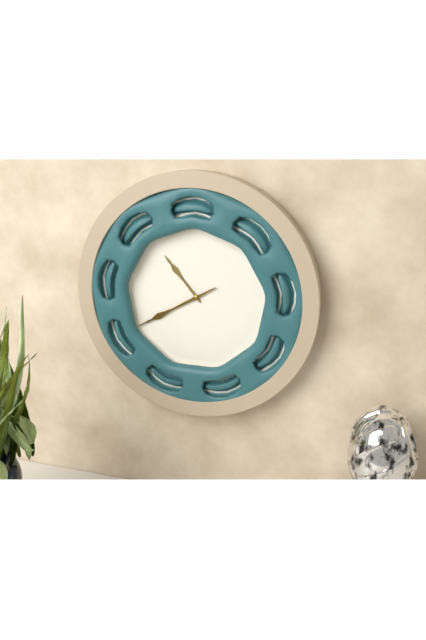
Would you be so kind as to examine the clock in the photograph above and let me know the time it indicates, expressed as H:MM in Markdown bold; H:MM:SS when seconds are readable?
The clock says **10:40**
